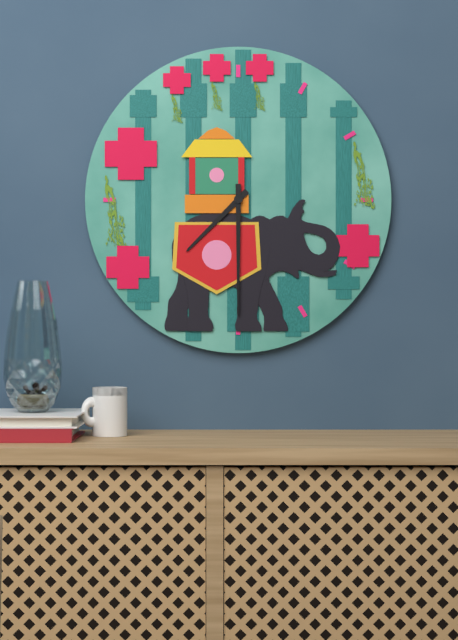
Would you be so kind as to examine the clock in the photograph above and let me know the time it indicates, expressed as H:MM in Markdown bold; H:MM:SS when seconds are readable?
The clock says **7:30**
